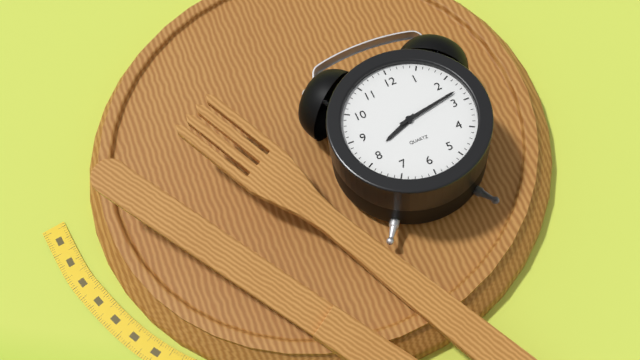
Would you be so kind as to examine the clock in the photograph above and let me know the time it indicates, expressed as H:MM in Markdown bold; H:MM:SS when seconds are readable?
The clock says **8:13**
